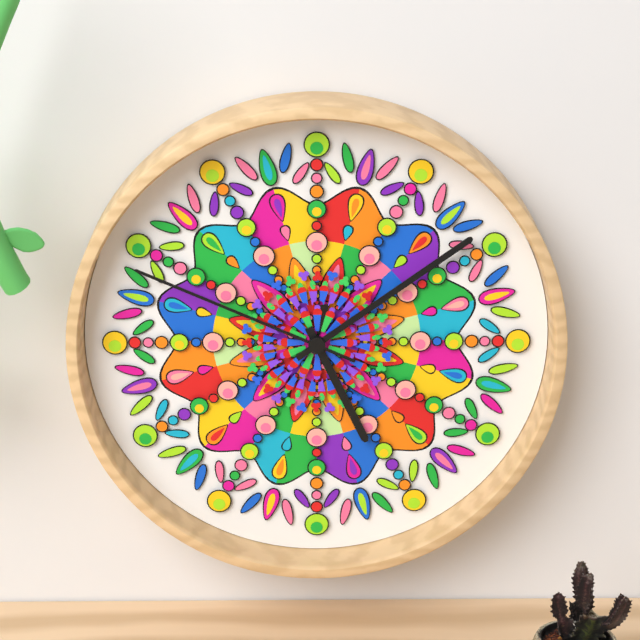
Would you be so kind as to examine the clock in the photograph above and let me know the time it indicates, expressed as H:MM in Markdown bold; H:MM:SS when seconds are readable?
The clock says **5:09:49**
